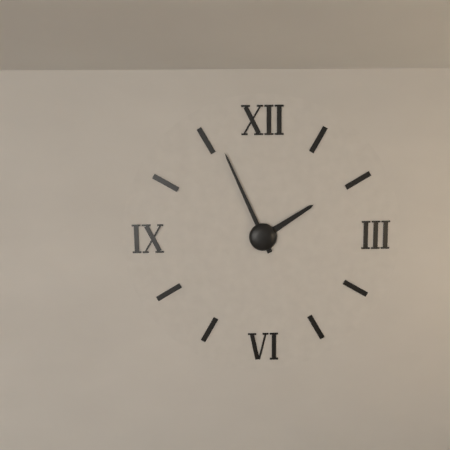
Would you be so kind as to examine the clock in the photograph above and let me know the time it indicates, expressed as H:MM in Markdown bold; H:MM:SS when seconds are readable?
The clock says **1:56**
